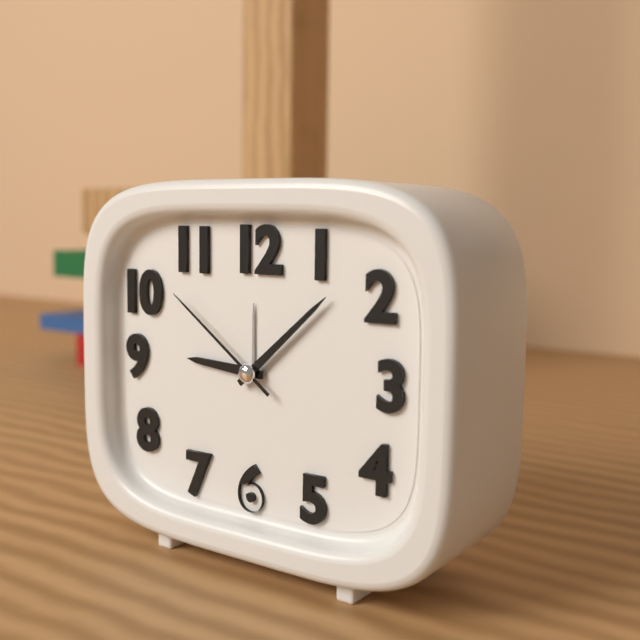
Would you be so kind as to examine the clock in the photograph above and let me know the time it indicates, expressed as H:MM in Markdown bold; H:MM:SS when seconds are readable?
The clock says **9:08:51**
